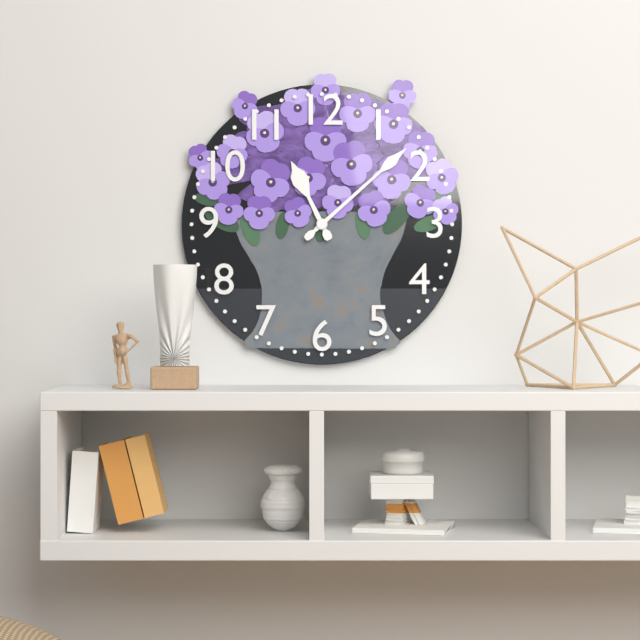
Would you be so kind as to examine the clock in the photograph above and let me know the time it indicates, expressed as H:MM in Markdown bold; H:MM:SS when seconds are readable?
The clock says **11:08**
